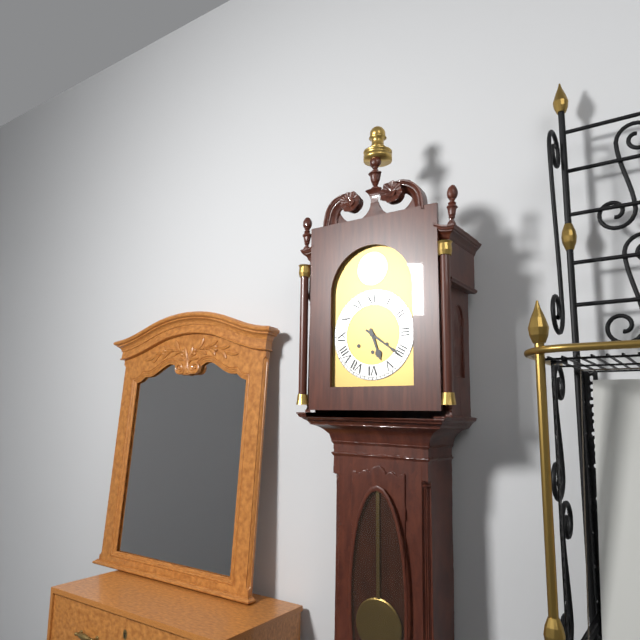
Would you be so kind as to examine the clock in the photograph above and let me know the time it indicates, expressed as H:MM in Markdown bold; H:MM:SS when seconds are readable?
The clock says **5:21**
